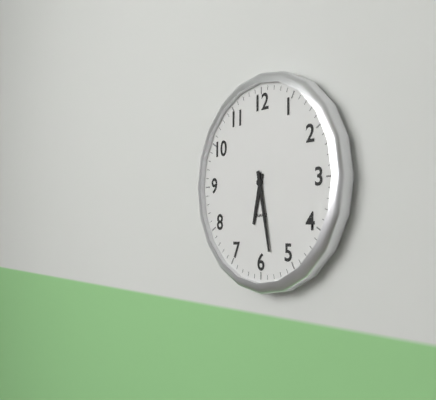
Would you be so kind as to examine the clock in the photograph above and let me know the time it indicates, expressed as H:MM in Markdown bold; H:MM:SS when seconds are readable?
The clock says **6:28**
